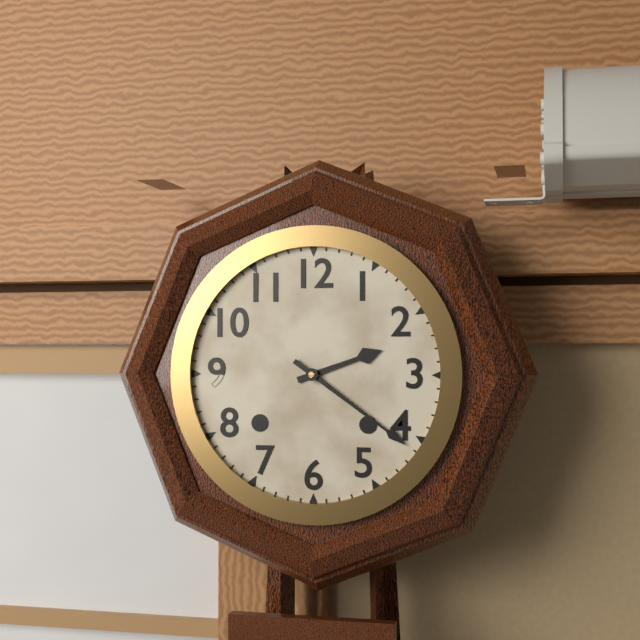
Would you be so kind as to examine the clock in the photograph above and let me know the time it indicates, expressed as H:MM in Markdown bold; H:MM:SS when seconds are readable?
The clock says **2:21**
